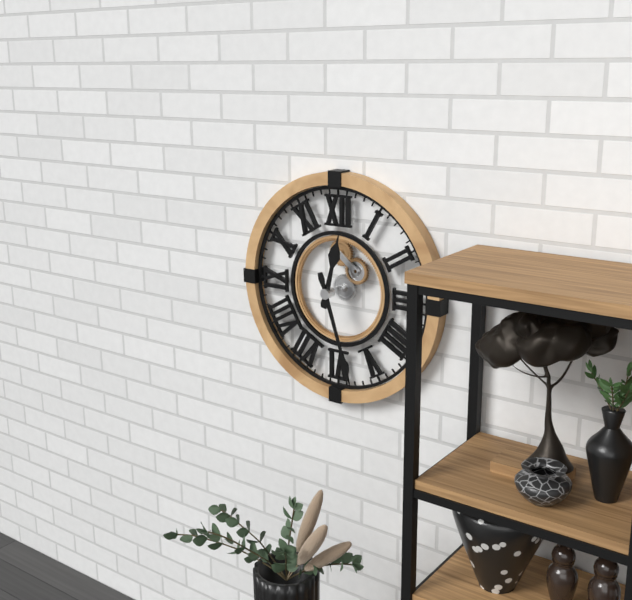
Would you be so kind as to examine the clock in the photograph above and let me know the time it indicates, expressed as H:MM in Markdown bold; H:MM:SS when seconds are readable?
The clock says **12:27**
